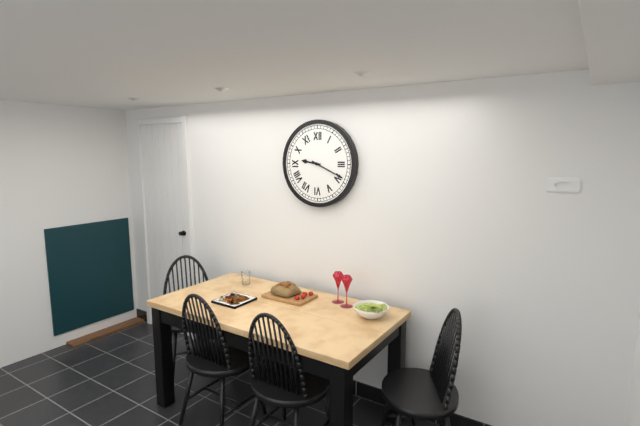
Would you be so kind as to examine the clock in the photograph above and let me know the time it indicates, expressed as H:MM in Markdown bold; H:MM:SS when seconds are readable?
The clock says **9:19**
